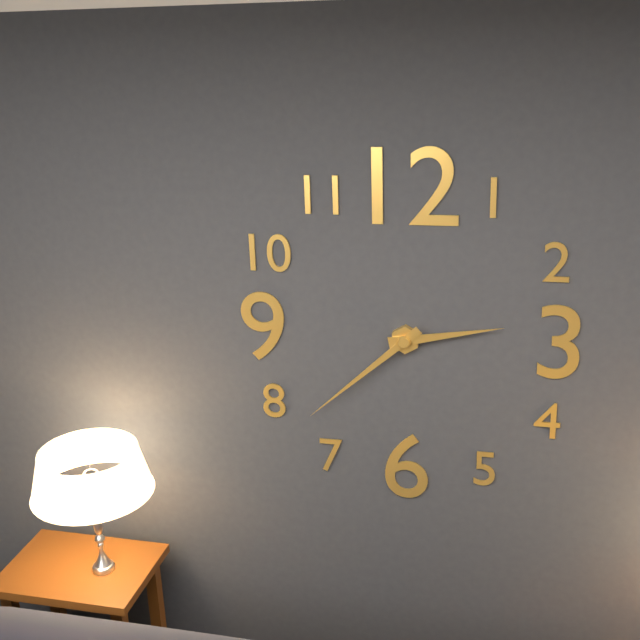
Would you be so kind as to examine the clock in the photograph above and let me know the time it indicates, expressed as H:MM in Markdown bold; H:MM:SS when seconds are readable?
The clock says **2:38**
